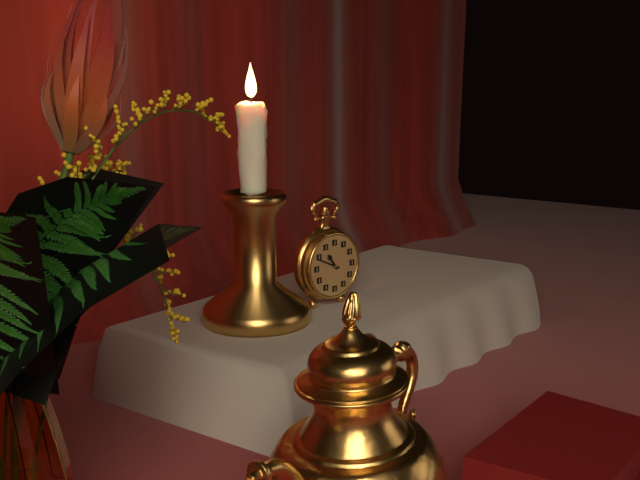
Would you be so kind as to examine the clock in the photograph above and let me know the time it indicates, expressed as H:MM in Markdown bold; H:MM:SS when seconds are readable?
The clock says **10:49**
